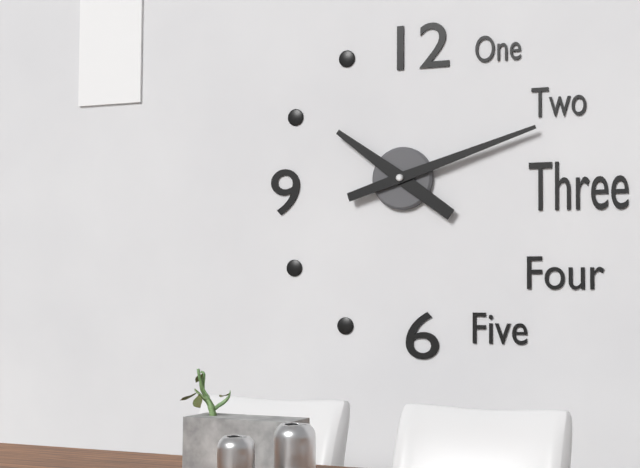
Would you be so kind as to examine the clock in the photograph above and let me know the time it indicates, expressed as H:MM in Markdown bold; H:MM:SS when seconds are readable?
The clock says **10:12**
